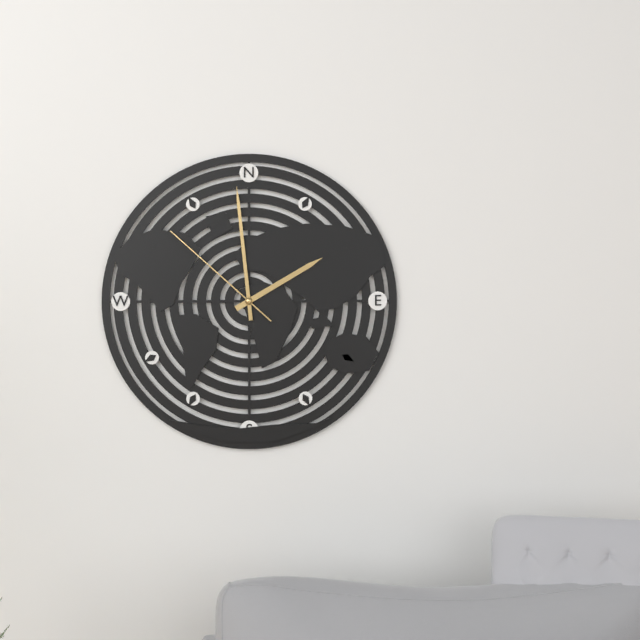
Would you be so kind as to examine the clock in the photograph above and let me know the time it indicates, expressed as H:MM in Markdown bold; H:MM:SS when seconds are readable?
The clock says **1:59:52**
